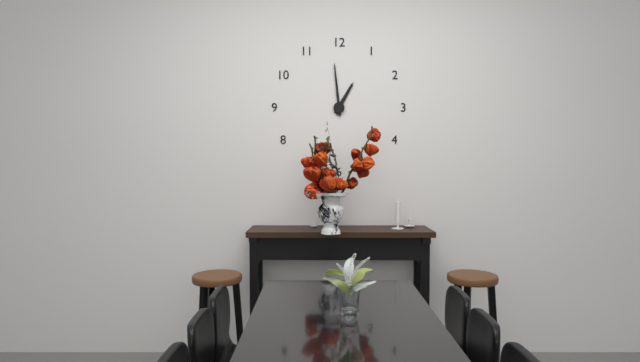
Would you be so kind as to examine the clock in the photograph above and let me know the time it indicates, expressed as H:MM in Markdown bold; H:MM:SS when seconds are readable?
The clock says **12:59**
